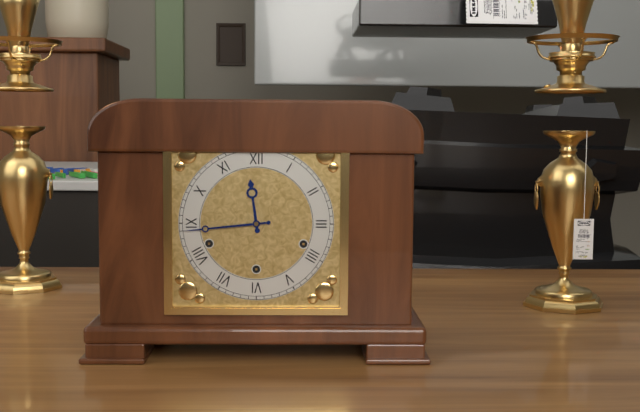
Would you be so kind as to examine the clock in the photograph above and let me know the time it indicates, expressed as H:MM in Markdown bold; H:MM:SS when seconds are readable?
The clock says **11:44**
